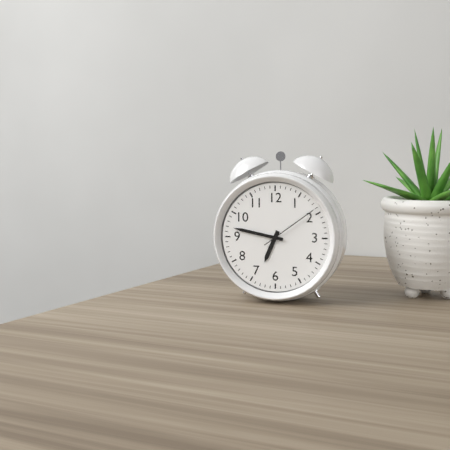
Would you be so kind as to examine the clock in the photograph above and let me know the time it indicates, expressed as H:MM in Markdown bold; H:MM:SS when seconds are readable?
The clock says **6:47:09**
